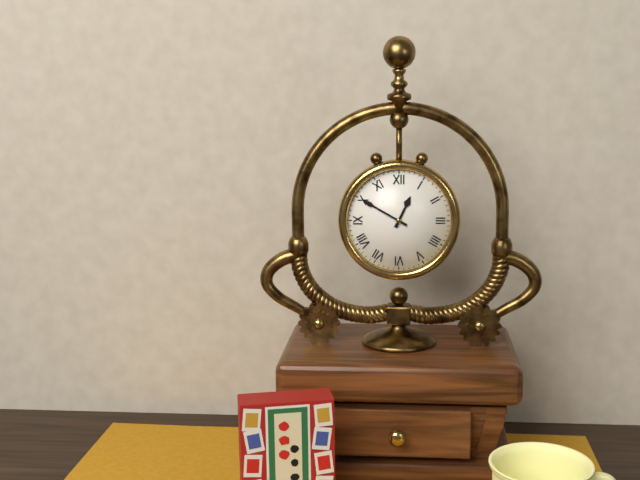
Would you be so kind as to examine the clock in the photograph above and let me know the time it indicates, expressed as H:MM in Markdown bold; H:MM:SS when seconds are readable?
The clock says **12:50**
